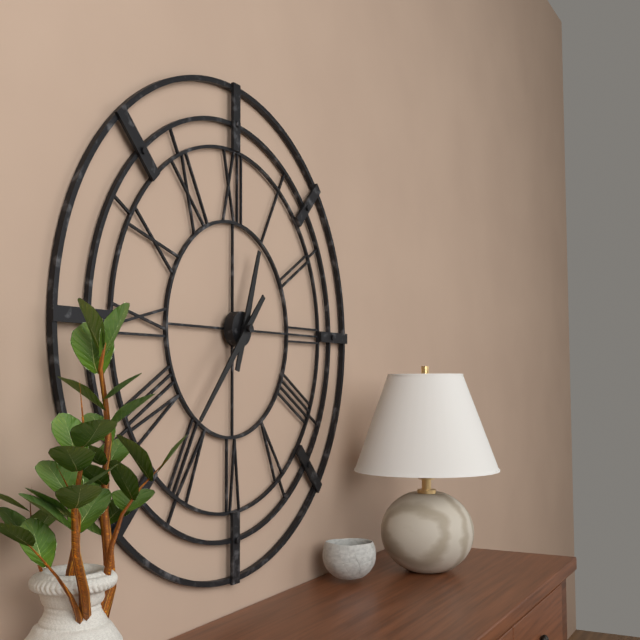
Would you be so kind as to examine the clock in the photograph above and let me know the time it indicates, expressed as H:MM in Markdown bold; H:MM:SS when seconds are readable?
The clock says **12:37**
